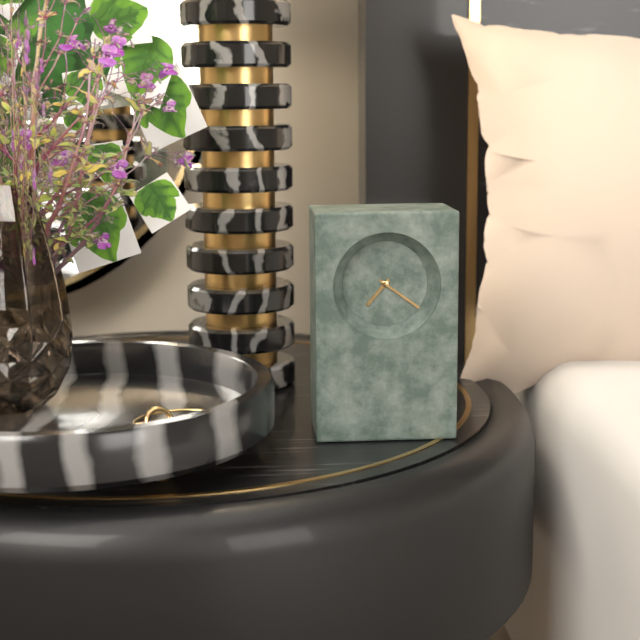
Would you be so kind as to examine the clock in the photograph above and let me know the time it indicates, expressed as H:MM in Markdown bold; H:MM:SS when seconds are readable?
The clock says **7:21**
